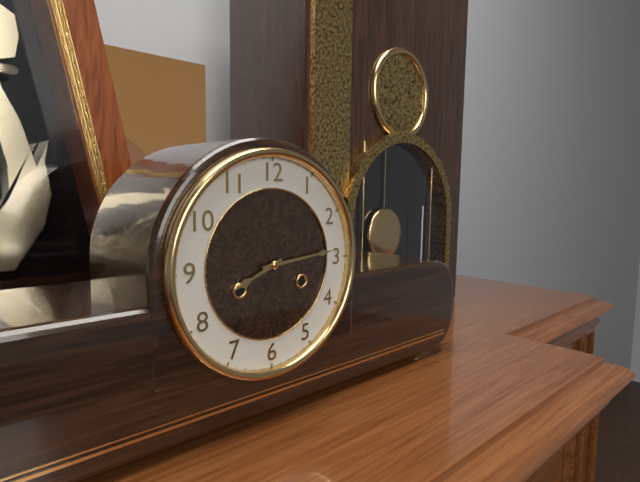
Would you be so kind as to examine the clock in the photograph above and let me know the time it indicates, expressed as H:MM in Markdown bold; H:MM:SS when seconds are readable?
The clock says **8:14**
